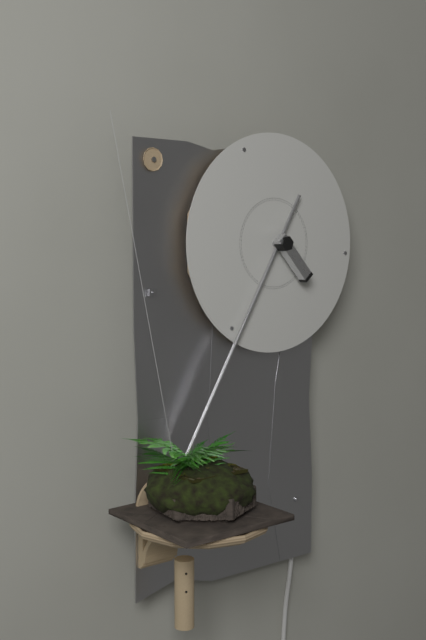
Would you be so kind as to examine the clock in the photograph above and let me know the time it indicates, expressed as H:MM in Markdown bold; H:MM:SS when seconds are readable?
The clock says **4:35**
